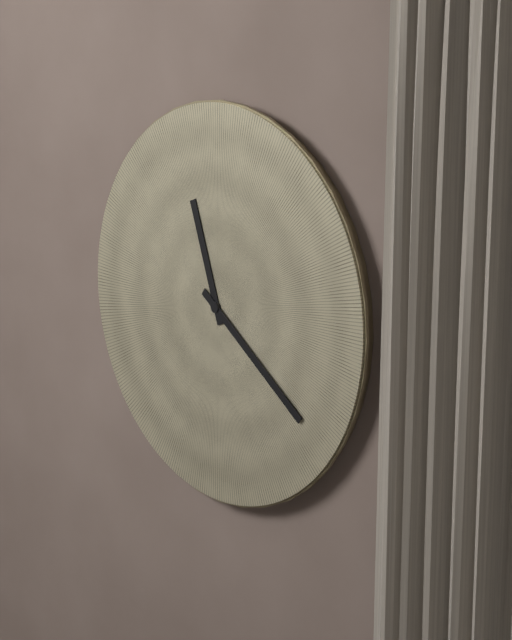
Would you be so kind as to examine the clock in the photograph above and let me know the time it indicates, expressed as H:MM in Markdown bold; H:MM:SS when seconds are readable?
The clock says **11:21**
